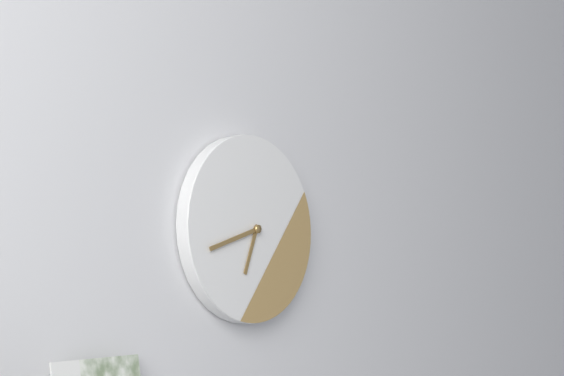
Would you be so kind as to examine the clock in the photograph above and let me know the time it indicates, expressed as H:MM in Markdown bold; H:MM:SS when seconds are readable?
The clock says **6:42**
